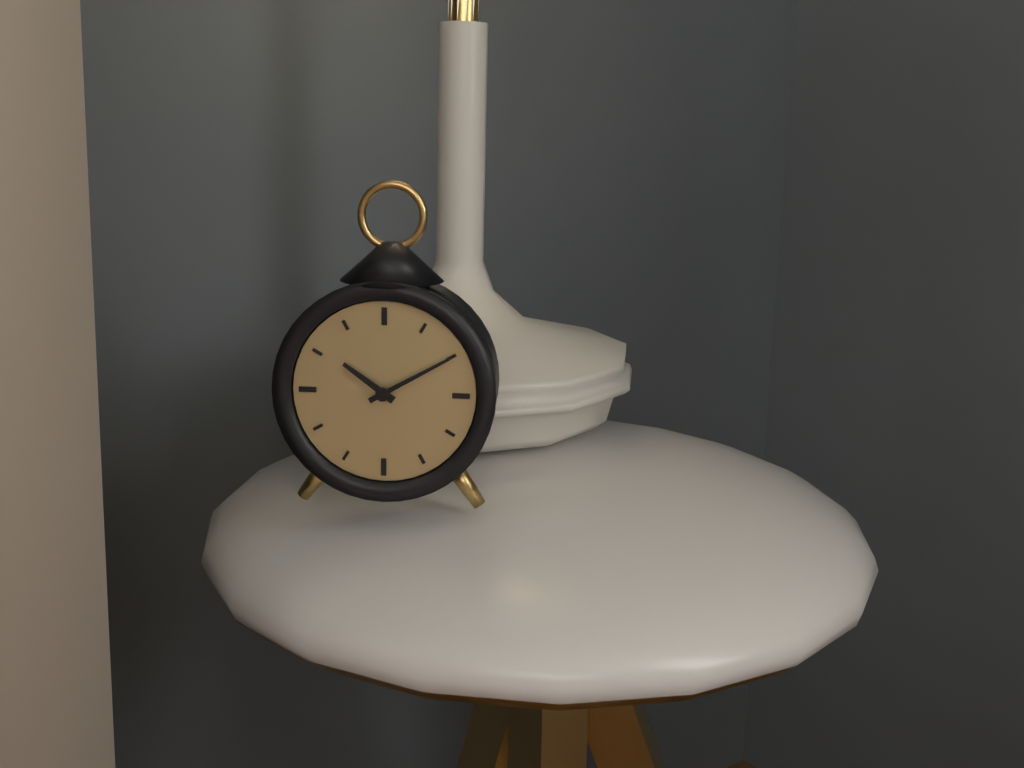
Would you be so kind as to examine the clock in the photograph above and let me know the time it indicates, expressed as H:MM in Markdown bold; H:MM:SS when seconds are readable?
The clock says **10:10**
